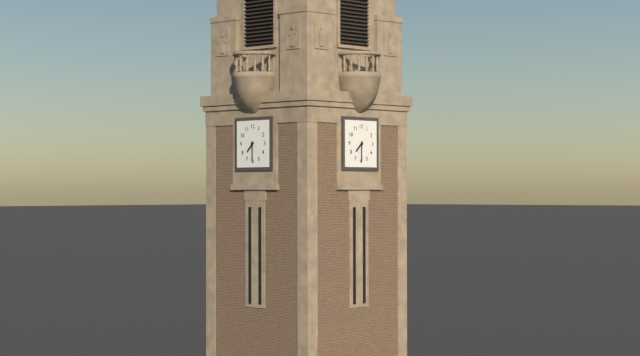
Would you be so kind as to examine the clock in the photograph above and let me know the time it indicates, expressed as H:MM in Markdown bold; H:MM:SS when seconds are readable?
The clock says **7:30**
